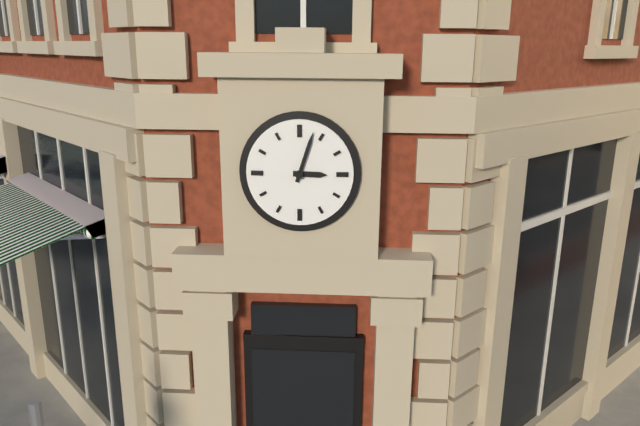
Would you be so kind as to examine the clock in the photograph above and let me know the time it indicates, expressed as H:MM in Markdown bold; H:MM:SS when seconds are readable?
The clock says **3:03**
